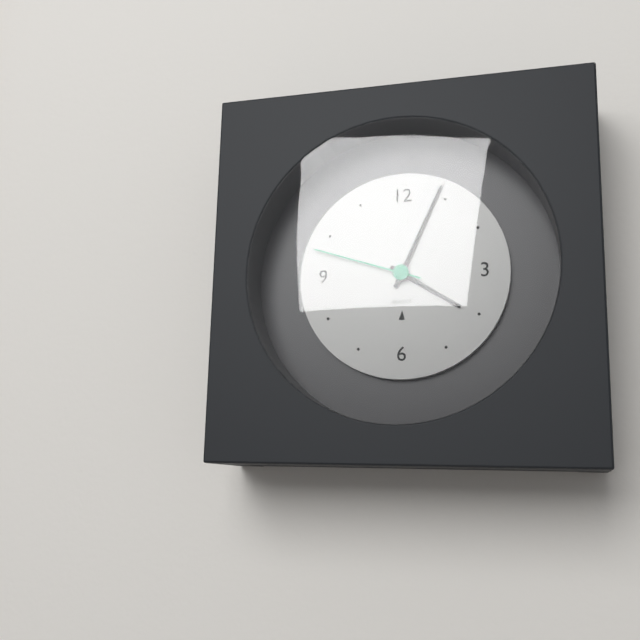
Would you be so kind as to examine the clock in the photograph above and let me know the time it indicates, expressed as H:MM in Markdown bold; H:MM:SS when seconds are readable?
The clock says **4:04:48**
